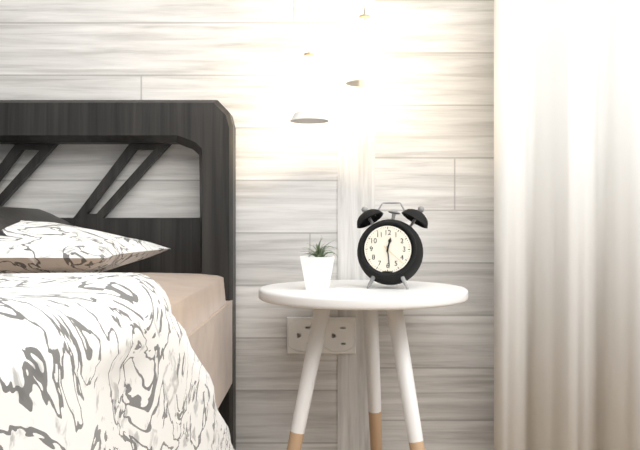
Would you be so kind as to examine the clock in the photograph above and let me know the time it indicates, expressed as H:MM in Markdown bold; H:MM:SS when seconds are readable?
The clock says **12:29**
